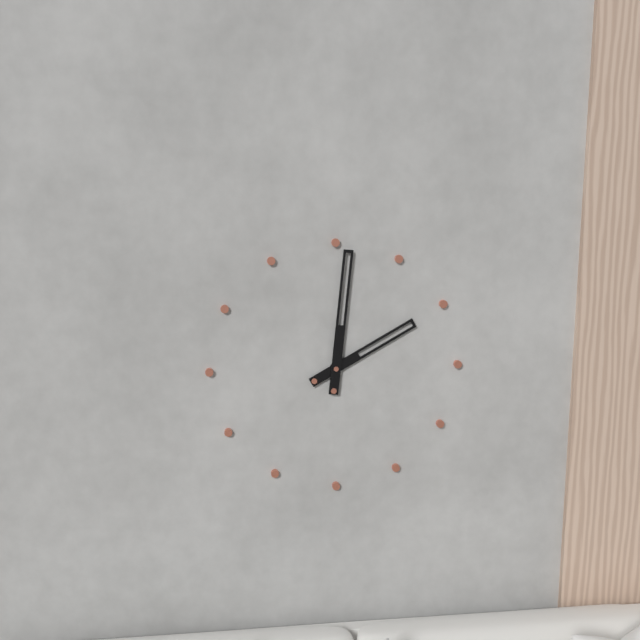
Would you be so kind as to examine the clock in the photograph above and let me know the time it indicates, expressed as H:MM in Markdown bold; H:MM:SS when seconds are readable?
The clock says **2:01**
